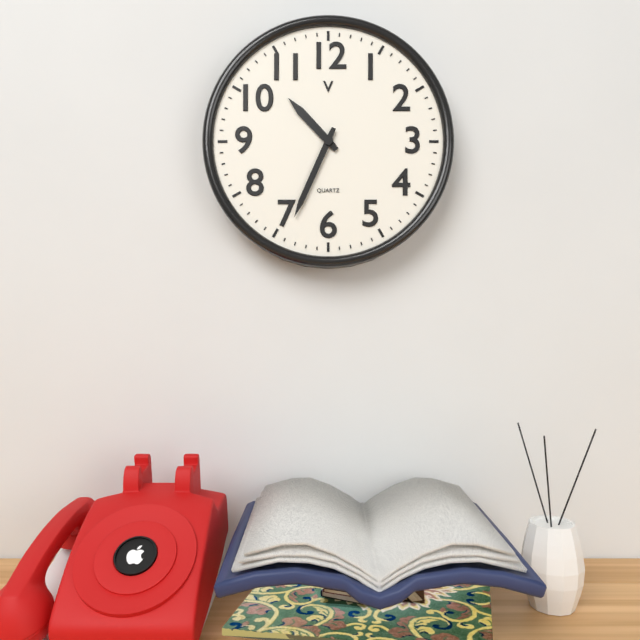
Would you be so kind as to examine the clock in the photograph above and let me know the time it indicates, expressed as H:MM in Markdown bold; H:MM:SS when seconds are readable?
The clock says **10:34**
